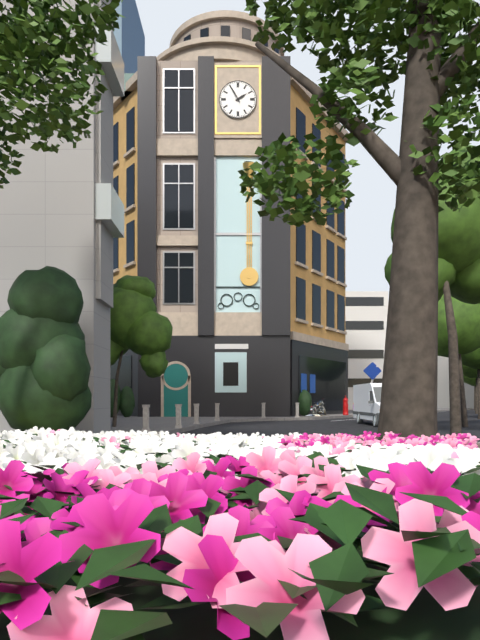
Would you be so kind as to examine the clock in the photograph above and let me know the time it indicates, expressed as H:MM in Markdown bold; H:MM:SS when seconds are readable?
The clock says **1:55**
